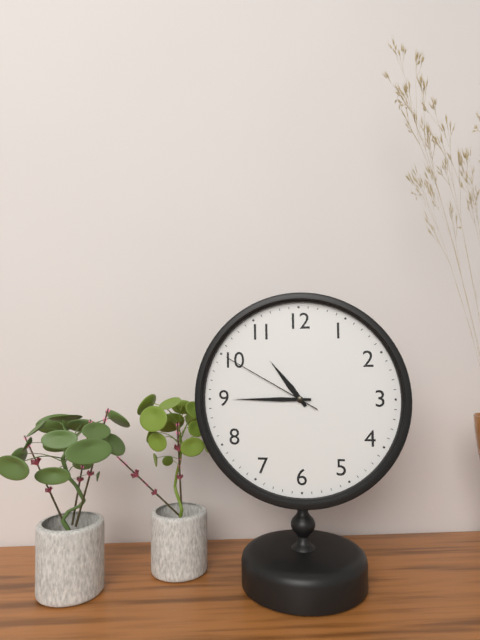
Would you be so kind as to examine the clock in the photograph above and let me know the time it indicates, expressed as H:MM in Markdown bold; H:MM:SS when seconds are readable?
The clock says **10:45:50**
